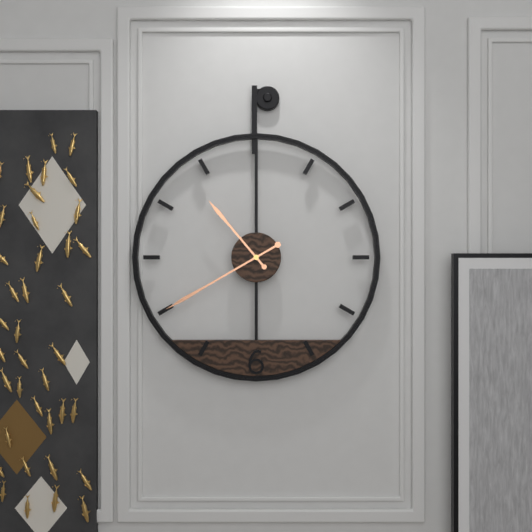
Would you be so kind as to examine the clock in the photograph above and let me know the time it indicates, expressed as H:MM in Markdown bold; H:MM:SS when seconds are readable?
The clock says **10:40**
